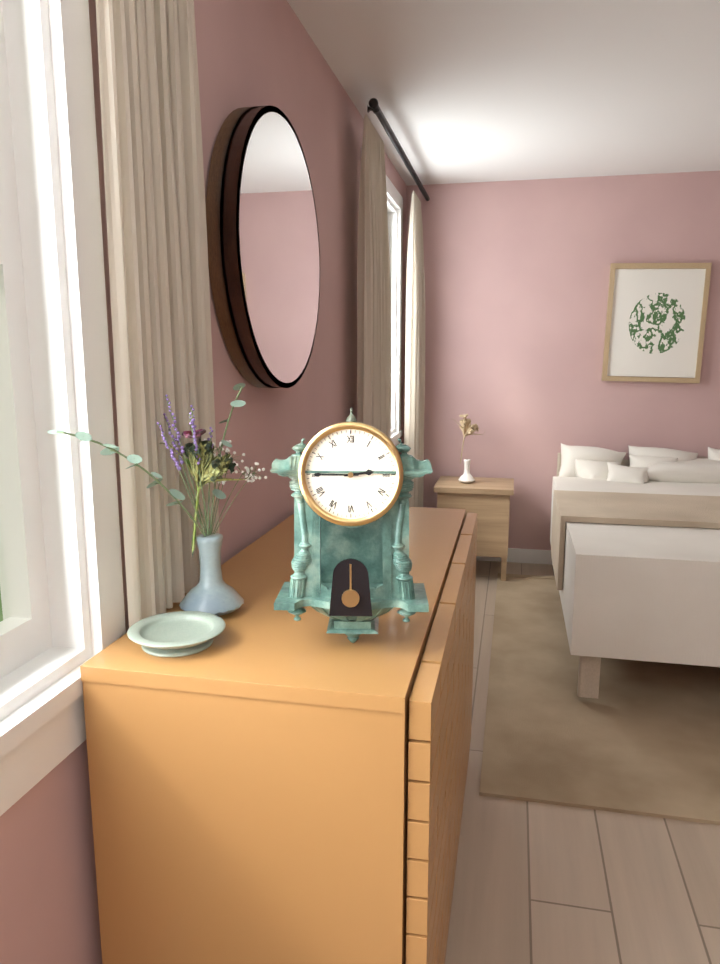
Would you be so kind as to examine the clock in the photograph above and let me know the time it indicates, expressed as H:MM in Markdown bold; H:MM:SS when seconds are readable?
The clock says **2:45**
